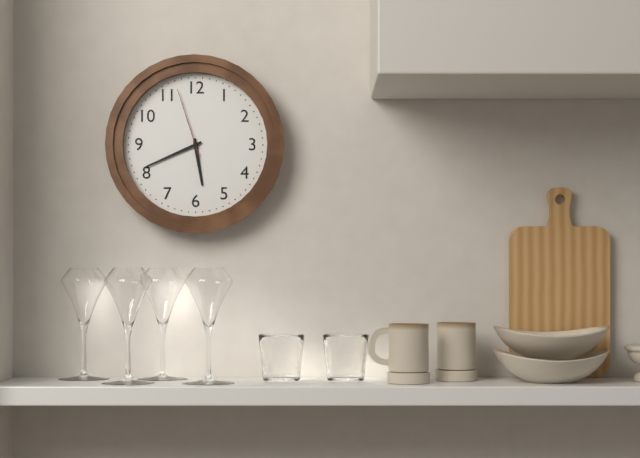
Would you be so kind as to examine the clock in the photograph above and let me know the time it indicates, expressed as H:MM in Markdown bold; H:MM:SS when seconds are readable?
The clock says **5:41:57**
